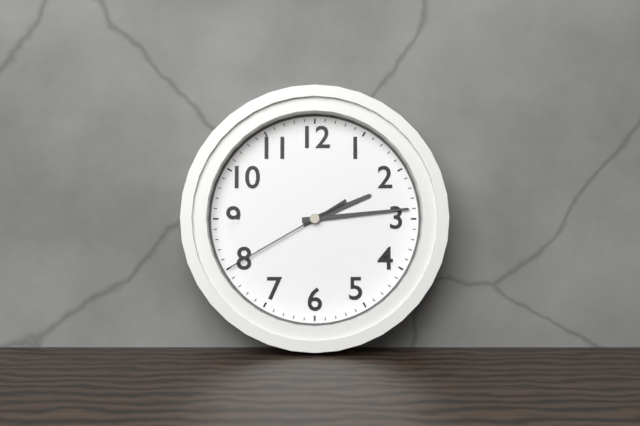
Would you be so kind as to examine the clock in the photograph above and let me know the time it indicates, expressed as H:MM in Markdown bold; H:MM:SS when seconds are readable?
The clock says **2:14:40**
